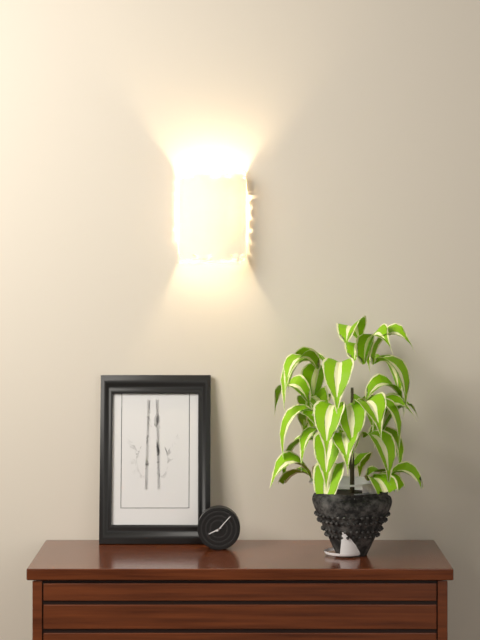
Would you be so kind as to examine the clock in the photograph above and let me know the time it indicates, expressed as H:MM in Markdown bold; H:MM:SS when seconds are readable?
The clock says **8:07**
